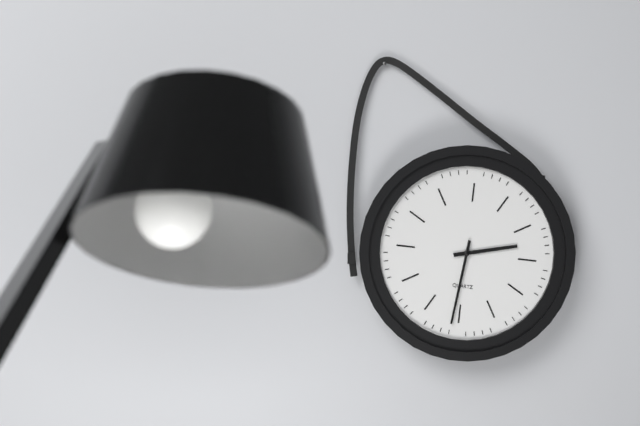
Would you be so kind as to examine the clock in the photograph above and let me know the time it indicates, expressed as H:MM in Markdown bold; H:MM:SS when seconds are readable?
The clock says **2:31**
